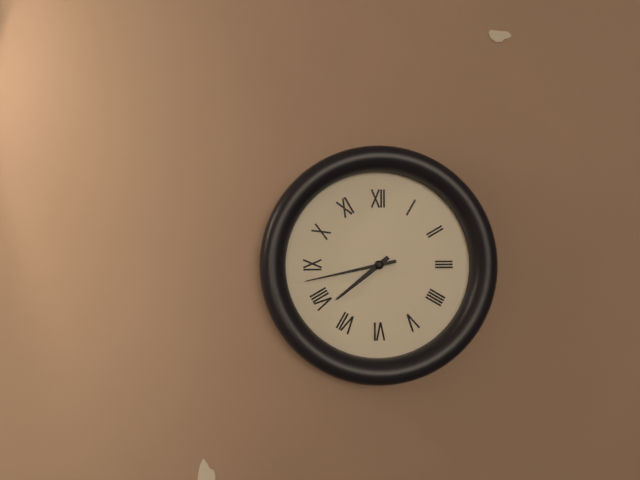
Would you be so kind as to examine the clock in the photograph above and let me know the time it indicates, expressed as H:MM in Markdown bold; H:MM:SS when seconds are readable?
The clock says **7:43**
